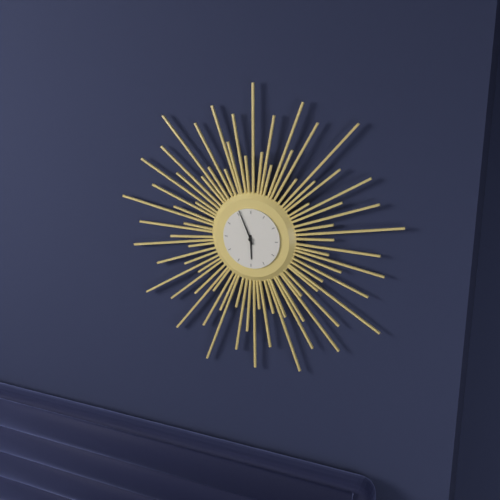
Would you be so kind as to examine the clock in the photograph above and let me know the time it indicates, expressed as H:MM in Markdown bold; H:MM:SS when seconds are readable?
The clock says **5:56**
